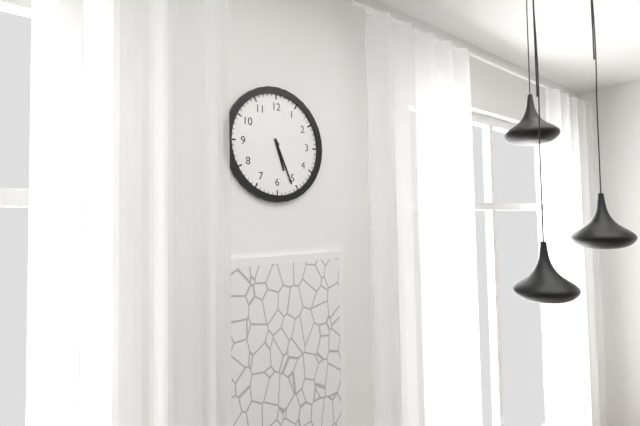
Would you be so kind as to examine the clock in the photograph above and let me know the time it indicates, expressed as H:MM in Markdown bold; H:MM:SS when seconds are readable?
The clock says **5:26**
